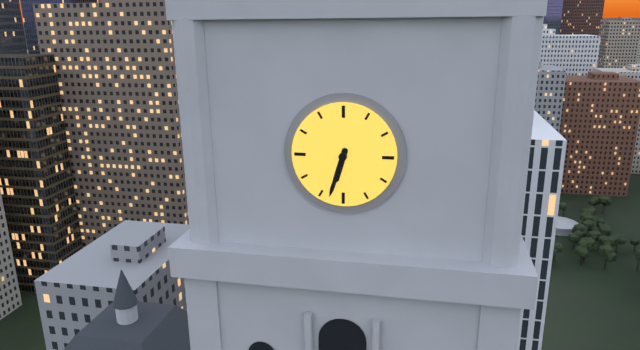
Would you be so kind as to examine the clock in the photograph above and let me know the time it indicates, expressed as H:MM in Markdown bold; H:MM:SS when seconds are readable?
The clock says **6:33**
